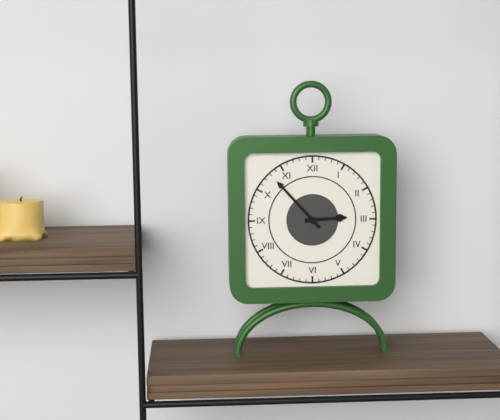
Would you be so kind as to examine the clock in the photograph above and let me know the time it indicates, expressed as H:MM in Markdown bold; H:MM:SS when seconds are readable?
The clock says **2:53**
